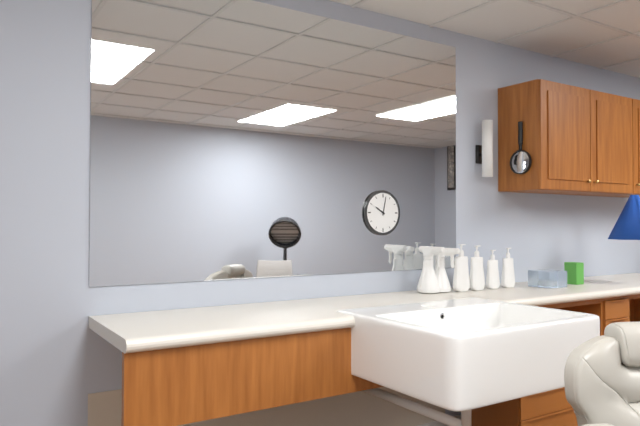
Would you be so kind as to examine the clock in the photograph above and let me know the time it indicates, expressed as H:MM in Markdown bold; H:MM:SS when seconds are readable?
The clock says **10:02**
